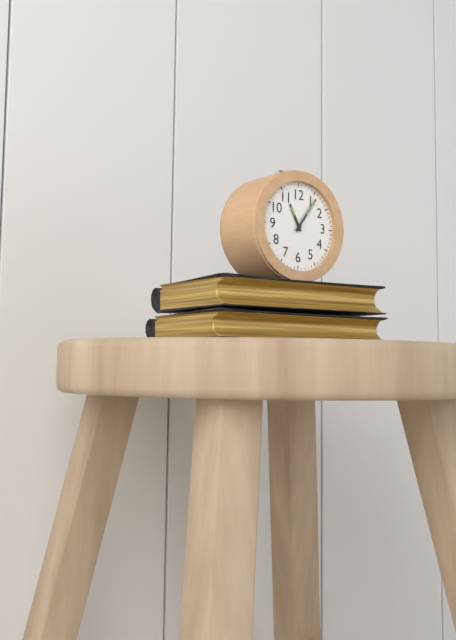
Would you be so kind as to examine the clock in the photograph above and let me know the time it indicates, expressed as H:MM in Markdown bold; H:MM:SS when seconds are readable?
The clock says **11:06**
